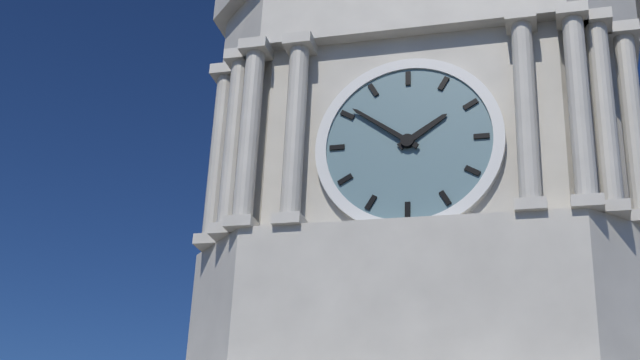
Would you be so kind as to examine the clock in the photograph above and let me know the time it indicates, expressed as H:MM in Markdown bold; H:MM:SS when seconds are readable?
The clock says **1:51**
